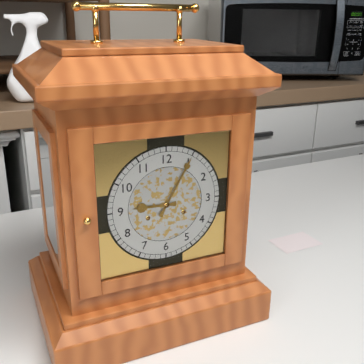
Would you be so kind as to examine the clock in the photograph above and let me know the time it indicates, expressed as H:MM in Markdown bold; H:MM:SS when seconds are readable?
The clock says **9:05**
